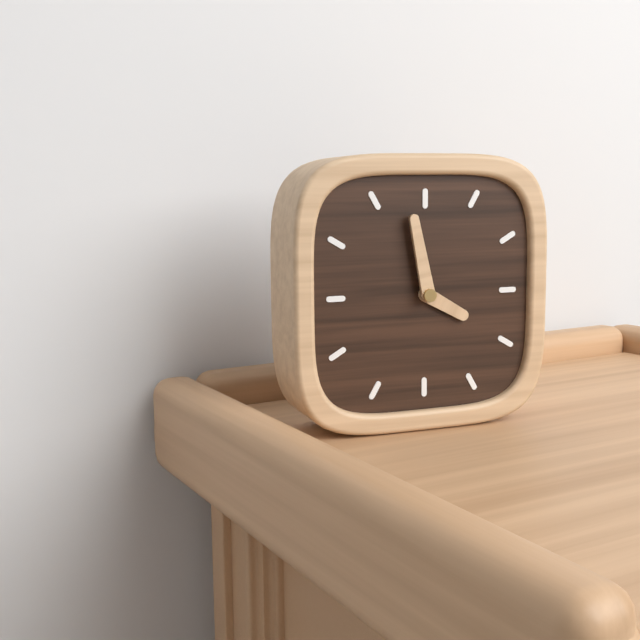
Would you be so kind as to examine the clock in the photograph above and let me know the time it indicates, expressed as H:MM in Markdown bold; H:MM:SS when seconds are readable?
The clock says **3:58**
